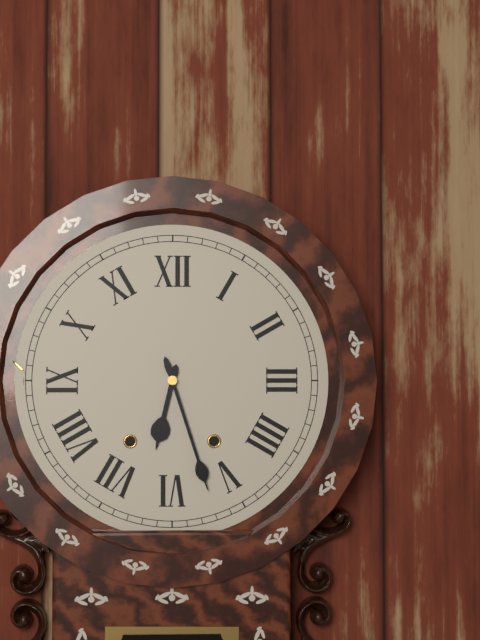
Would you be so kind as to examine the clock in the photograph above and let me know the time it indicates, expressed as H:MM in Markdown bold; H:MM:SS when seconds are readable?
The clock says **6:27**
